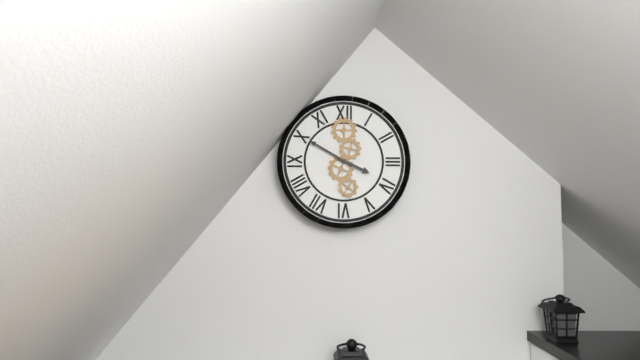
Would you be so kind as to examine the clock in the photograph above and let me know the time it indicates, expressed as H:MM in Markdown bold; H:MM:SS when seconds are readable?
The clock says **3:50**
